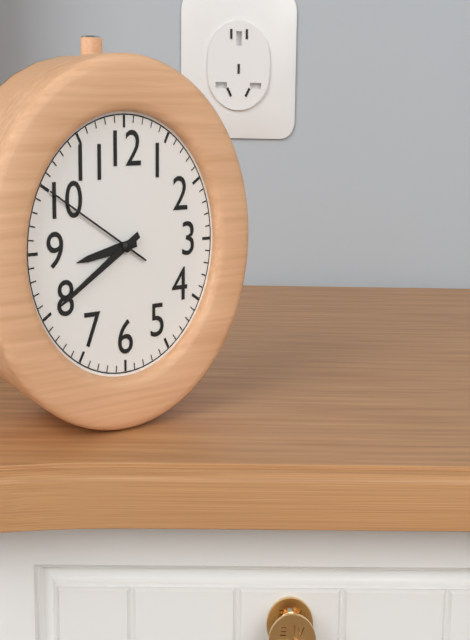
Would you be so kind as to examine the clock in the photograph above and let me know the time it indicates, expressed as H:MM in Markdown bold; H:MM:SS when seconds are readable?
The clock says **8:40:50**
